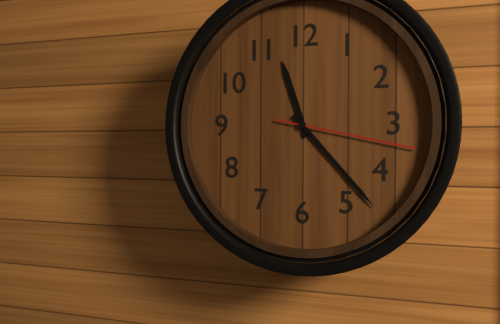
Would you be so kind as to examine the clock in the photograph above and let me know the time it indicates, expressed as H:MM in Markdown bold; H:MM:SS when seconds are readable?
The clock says **11:23:17**
